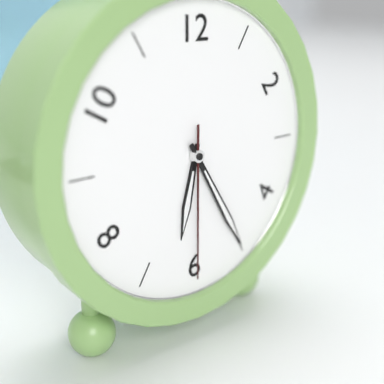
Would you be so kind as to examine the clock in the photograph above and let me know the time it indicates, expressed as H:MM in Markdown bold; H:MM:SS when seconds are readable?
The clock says **6:25:30**
